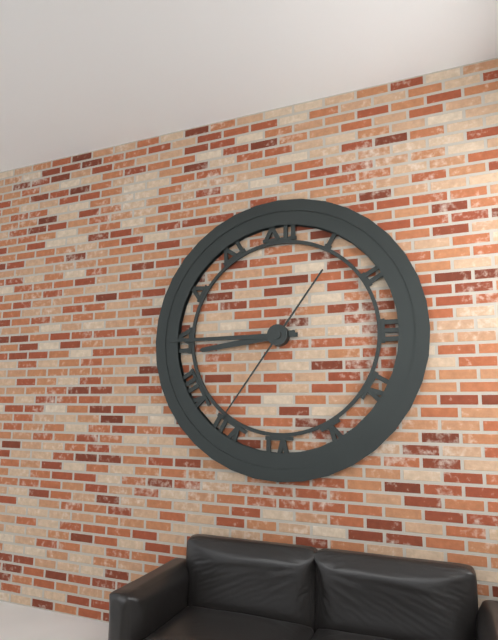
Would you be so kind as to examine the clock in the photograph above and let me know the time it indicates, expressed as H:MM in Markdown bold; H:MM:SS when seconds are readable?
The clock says **8:45:36**
